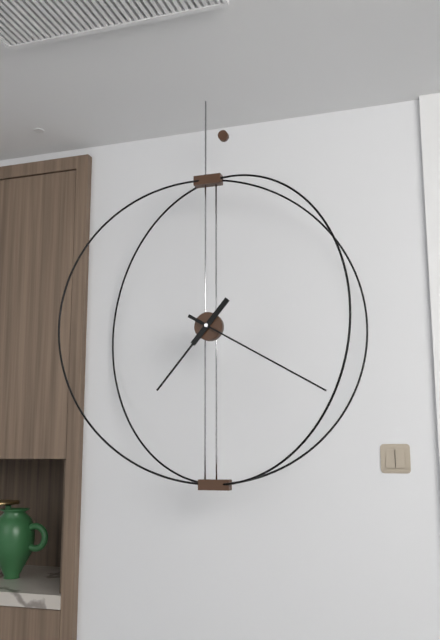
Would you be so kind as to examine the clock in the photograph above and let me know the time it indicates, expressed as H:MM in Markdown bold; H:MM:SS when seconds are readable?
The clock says **7:20**
